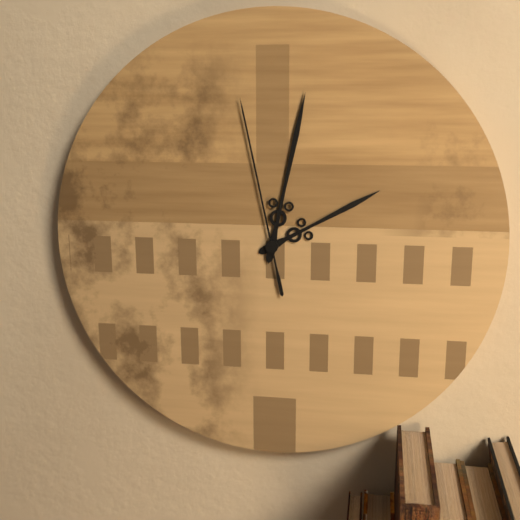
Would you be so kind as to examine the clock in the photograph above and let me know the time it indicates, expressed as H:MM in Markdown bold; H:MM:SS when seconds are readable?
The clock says **2:02:58**
